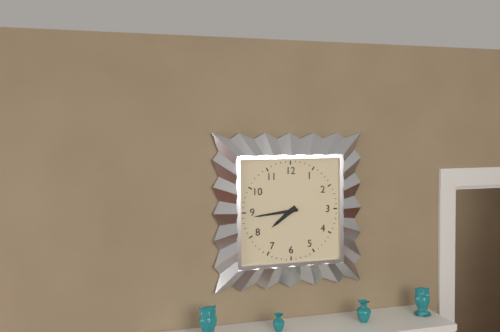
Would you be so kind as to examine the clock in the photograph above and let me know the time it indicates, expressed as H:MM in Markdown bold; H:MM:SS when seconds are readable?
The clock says **7:44**
